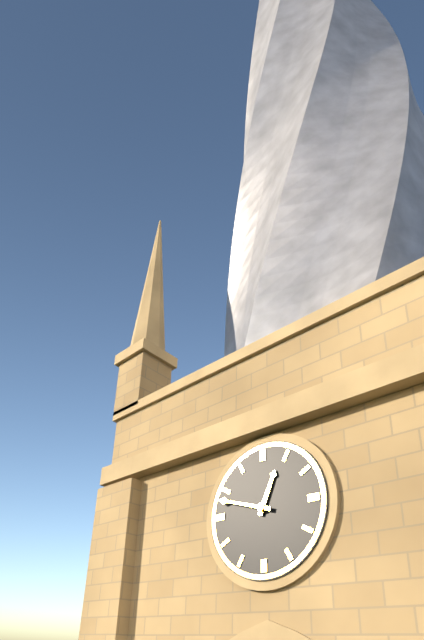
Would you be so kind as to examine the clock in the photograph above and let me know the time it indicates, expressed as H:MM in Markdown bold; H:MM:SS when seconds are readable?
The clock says **12:48**
